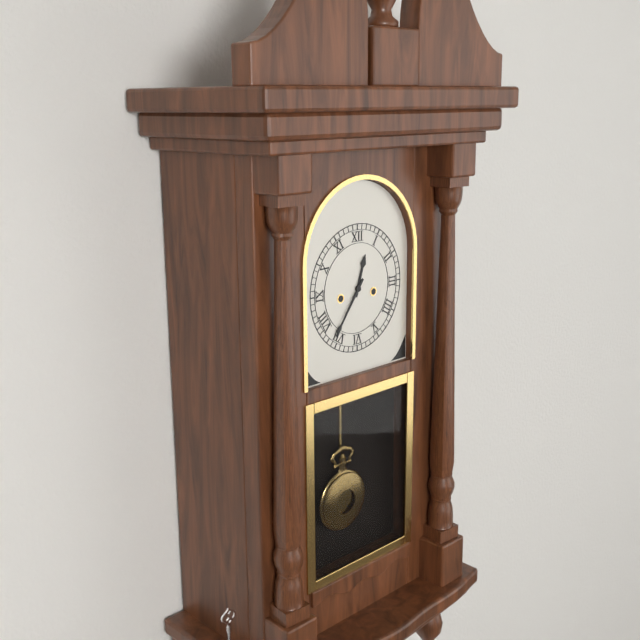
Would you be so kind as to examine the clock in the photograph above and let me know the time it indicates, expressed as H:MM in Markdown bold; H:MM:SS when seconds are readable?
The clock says **12:36**
